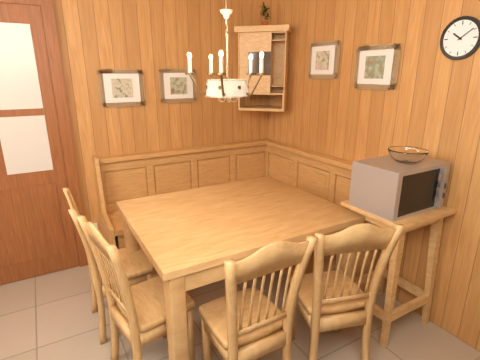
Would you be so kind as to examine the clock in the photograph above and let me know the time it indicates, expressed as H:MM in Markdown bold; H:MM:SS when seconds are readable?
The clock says **10:09**
